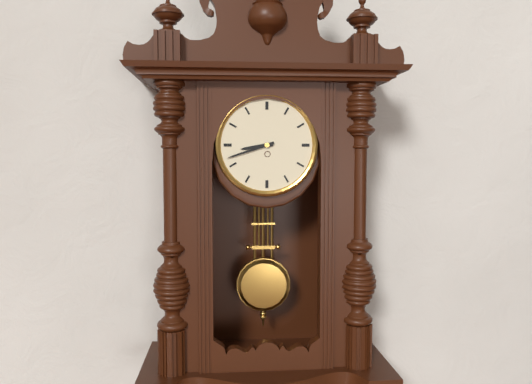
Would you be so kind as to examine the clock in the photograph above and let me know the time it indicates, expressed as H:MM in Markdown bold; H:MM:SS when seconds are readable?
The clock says **8:42**
